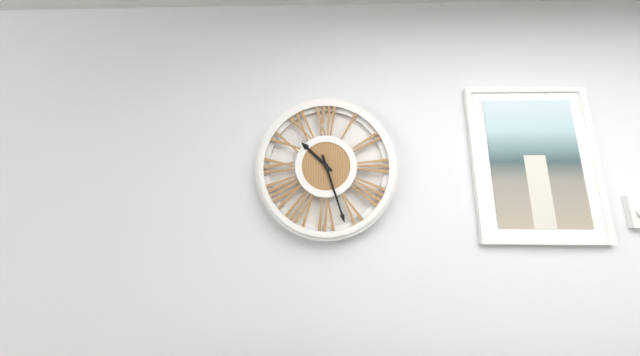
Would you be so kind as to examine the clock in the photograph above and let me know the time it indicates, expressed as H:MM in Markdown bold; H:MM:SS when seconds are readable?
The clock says **10:27**
